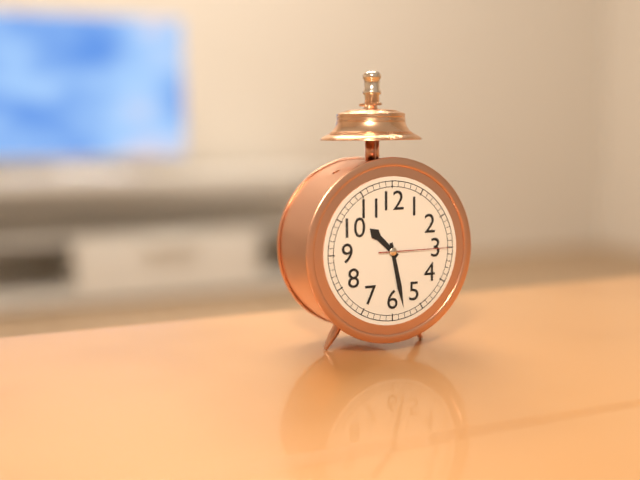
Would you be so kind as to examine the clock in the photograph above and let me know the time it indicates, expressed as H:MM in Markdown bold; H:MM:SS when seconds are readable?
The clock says **10:28:15**
